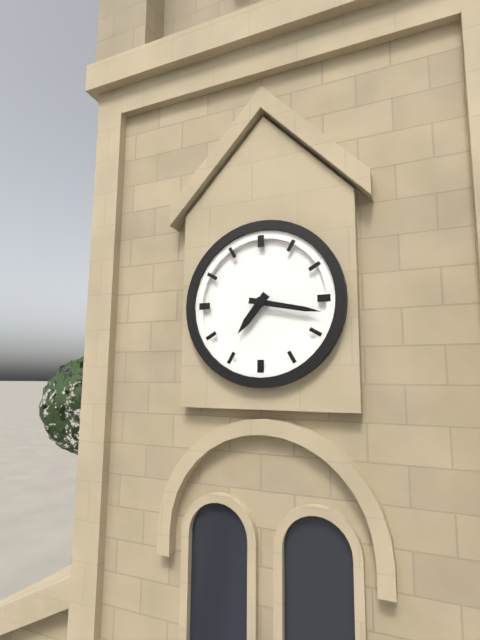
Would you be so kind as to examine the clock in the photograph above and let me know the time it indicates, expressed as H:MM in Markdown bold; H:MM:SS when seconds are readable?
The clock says **7:17**
